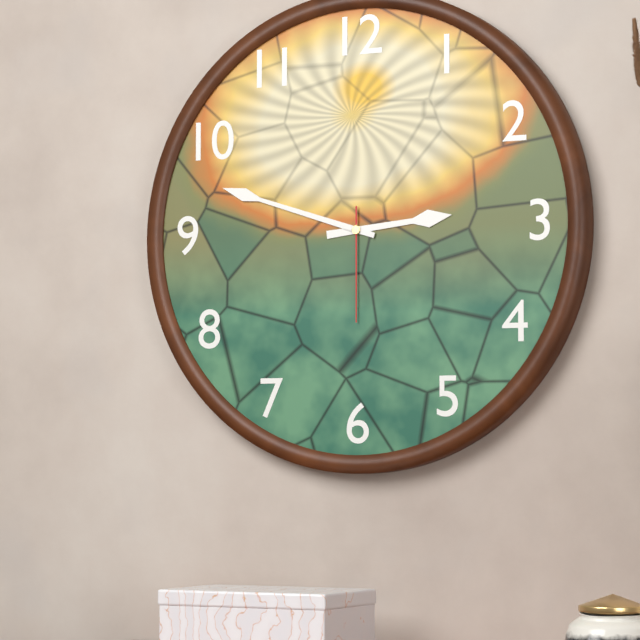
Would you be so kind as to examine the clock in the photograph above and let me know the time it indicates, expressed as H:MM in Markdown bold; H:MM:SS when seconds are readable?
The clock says **2:48:30**
